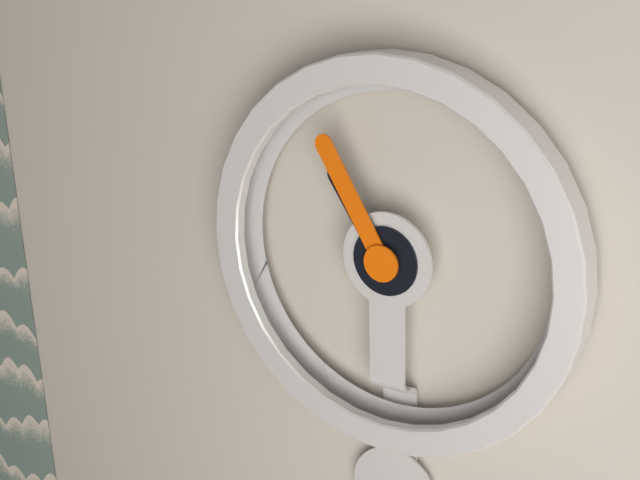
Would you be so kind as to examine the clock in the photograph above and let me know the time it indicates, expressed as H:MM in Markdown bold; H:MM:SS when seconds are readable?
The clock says **10:55**
